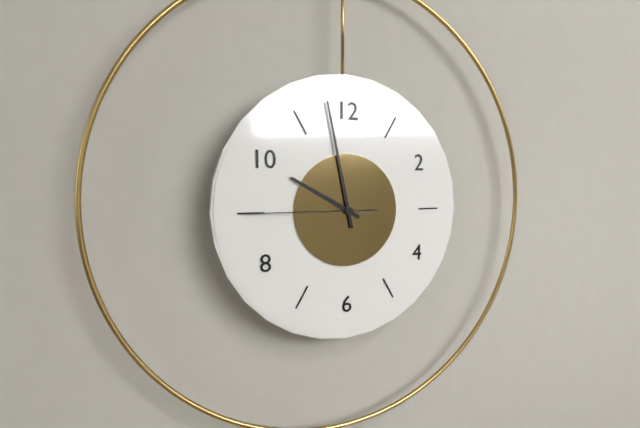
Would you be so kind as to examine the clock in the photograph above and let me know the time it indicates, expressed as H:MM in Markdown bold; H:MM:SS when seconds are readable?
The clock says **9:58:45**
